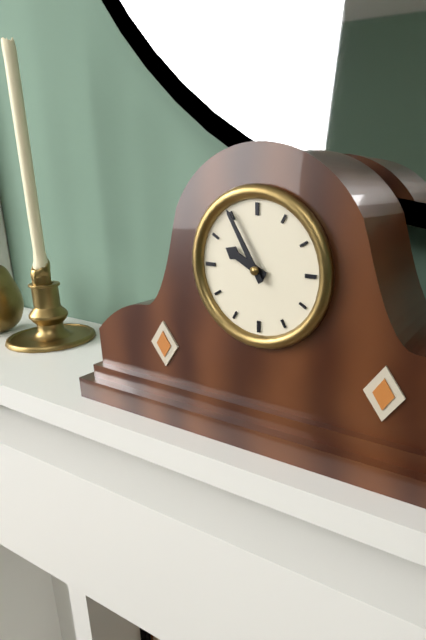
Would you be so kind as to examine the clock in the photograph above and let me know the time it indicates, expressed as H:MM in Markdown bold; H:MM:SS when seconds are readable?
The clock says **9:55**
